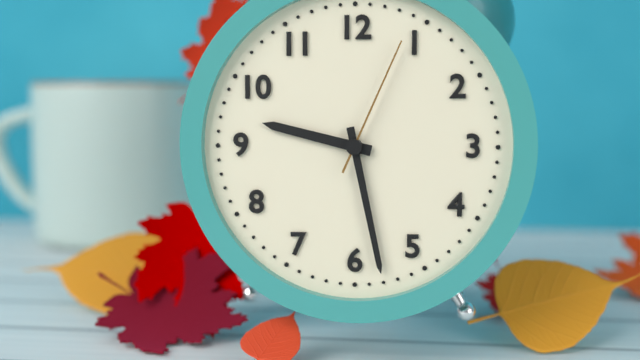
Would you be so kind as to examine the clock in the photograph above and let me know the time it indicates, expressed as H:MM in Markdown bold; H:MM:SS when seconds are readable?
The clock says **9:28:04**
